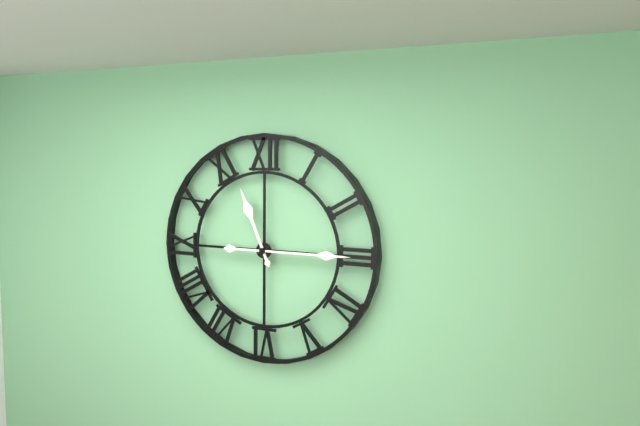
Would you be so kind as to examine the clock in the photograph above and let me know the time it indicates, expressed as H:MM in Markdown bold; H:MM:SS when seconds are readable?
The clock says **11:15**
